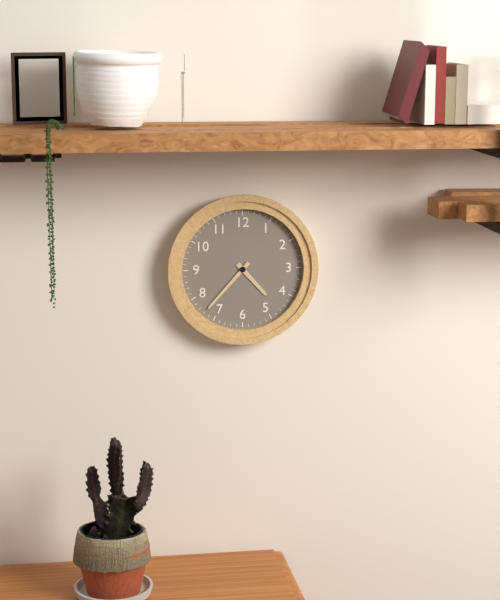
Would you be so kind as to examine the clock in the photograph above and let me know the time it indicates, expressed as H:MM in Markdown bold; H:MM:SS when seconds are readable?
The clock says **4:37**
